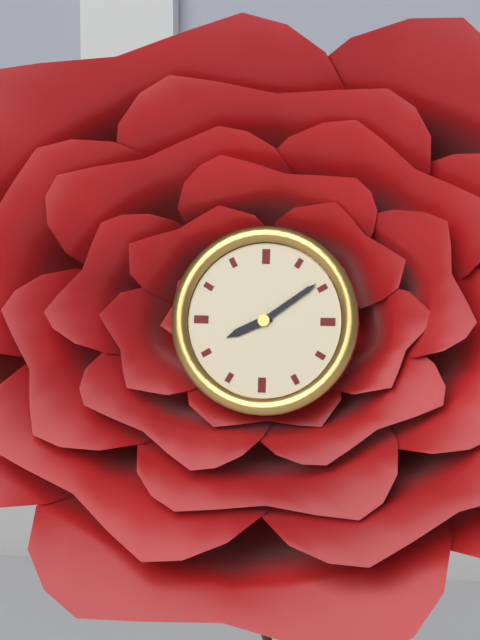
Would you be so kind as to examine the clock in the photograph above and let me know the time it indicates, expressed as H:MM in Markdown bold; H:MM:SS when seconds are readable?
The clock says **8:09**
